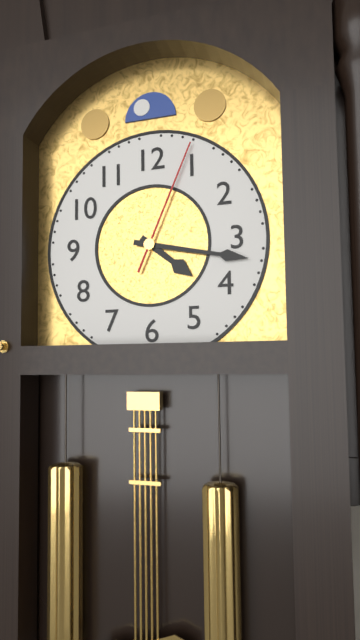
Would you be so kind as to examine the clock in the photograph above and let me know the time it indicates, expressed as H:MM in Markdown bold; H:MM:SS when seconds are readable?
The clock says **4:17:04**
